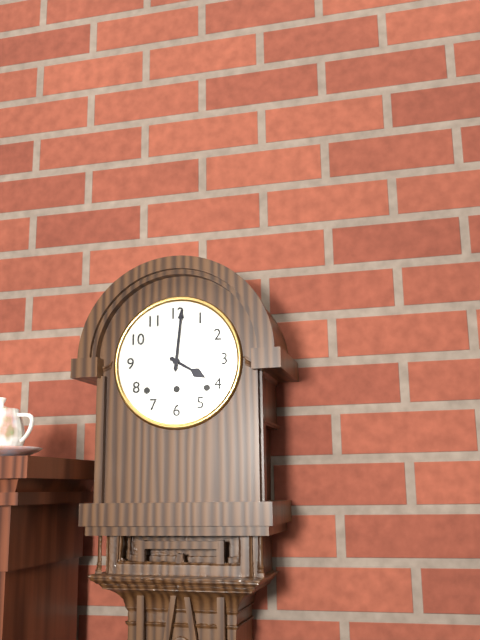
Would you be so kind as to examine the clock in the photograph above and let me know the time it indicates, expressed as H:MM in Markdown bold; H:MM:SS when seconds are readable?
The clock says **4:01**
